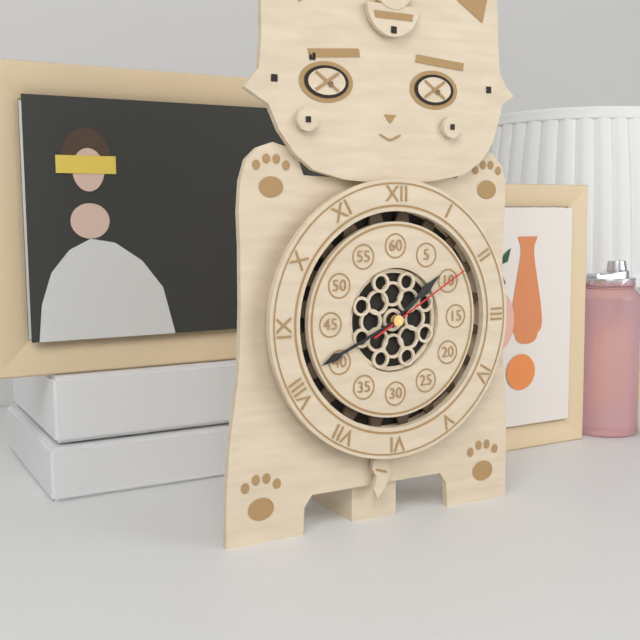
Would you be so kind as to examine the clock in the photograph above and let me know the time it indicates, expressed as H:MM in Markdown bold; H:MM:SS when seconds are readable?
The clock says **1:41:10**
